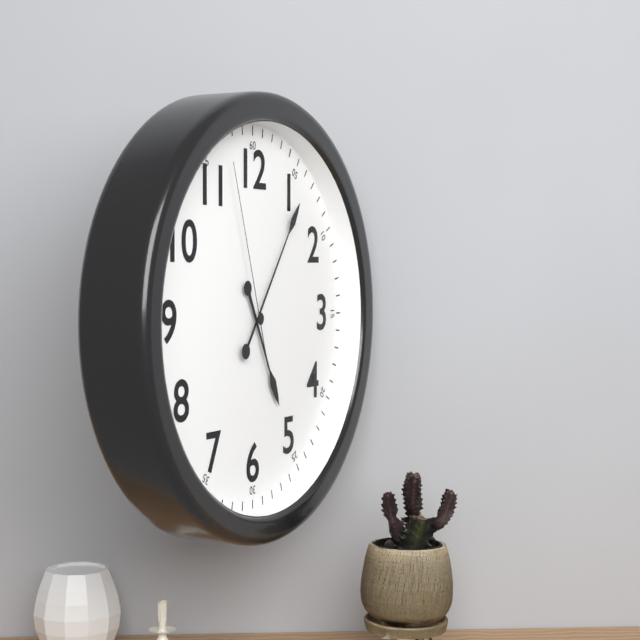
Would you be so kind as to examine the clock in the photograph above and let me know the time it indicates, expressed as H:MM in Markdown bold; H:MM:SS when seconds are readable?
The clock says **5:06:57**
